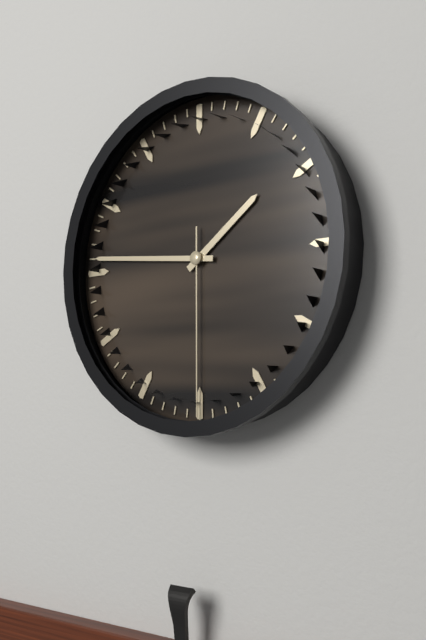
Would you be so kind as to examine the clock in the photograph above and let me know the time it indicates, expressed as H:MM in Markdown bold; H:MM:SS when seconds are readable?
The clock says **1:46:30**
